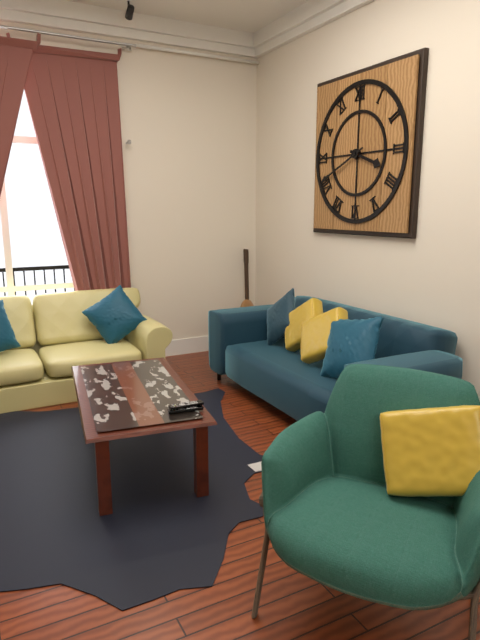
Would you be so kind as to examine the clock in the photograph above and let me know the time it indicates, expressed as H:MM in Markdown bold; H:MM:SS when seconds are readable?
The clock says **3:41**
